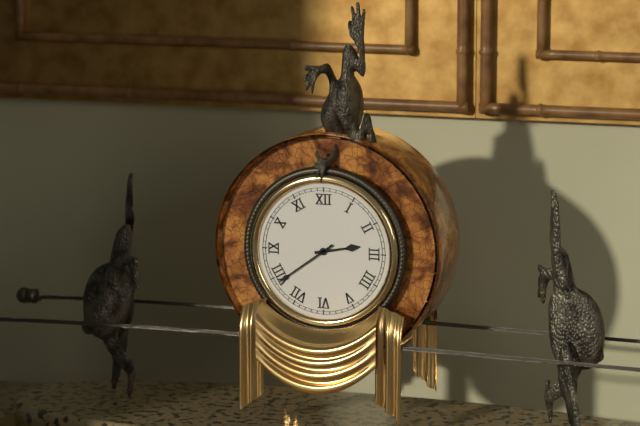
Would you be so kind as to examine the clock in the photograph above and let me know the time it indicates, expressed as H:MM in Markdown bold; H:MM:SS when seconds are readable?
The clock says **2:39**
